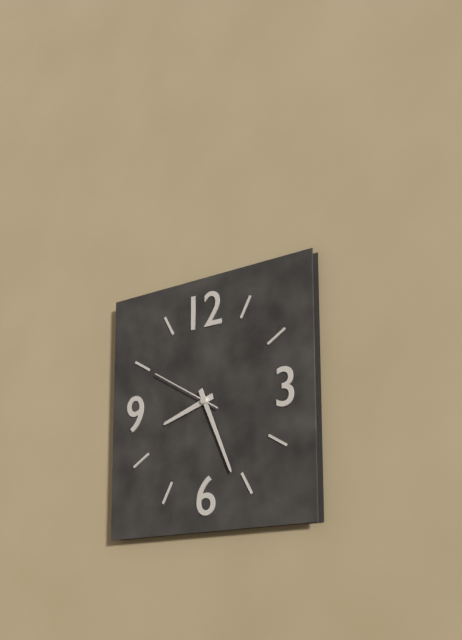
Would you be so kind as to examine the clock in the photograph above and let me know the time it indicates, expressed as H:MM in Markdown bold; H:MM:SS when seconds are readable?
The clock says **8:26:50**
